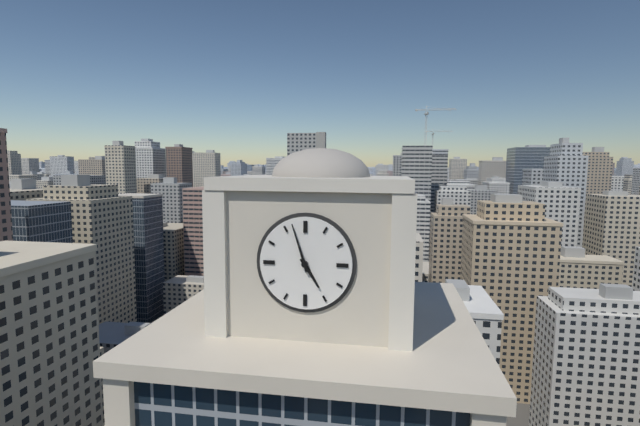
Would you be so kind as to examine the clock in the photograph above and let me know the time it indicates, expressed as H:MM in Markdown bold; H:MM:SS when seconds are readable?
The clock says **4:57**
